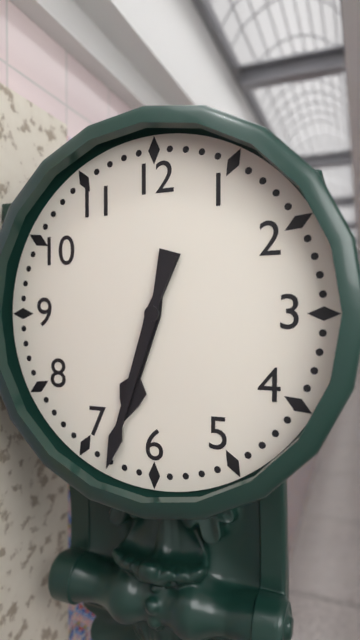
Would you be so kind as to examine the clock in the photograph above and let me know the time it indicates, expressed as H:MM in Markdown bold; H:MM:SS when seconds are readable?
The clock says **6:33**
